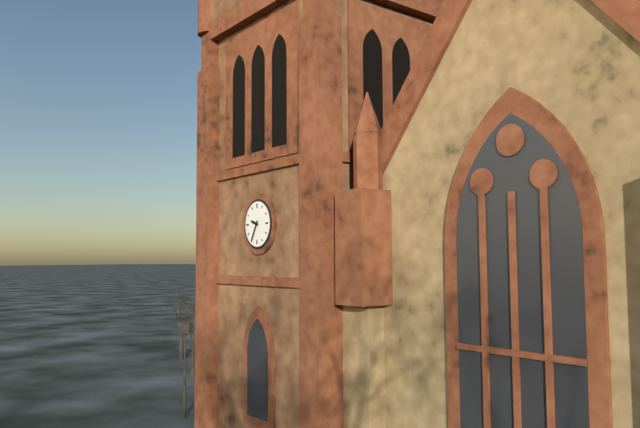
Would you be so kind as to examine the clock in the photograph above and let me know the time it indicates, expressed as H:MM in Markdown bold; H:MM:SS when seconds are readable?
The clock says **9:35**
